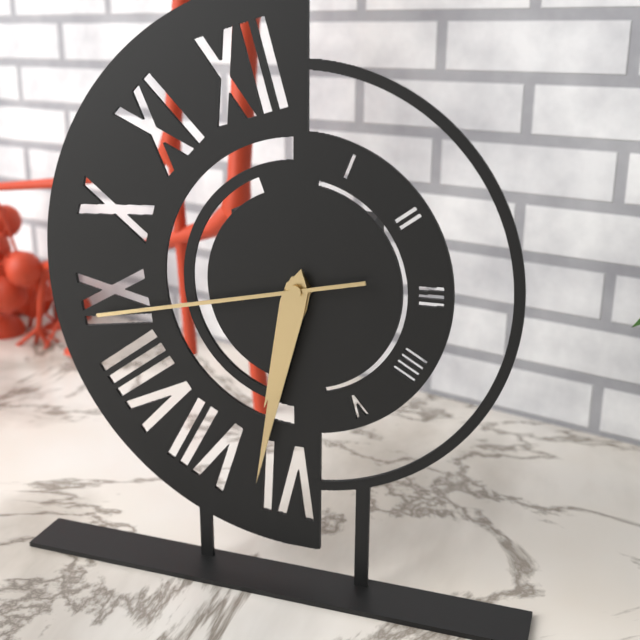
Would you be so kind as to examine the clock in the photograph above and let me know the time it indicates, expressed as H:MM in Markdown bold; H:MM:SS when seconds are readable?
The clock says **6:32:43**
